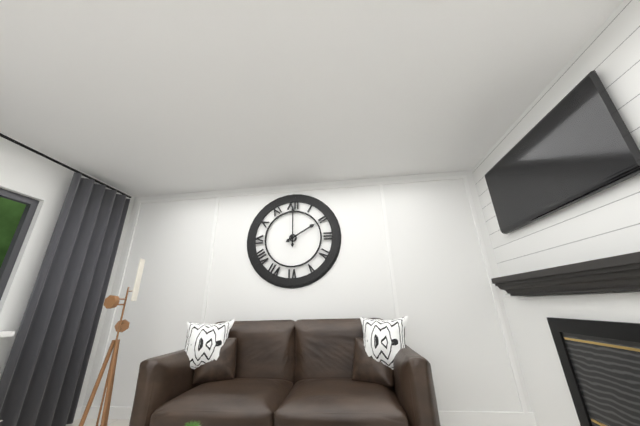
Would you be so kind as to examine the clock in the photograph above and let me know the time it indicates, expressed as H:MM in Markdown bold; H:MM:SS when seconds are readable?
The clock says **2:00**
